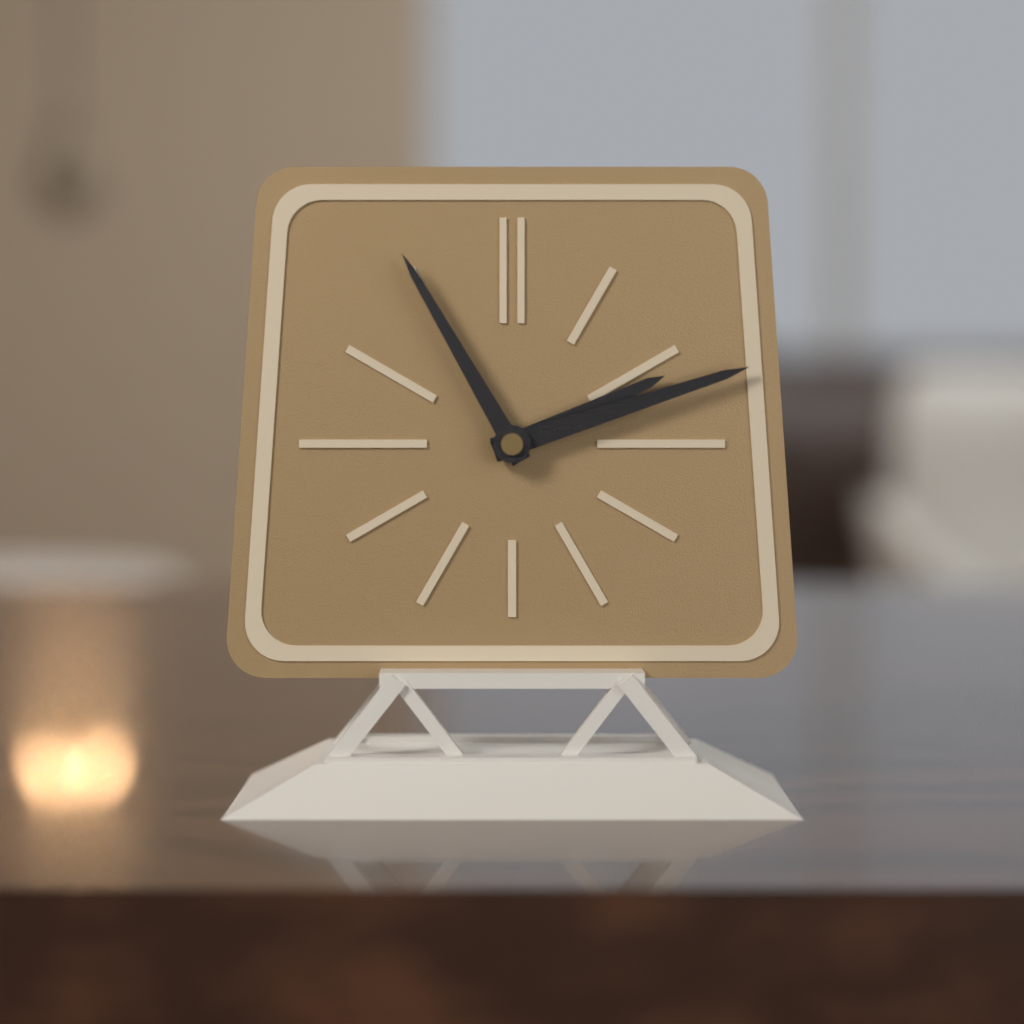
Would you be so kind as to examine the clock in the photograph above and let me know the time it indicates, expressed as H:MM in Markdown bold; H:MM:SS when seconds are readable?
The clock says **2:12:55**
